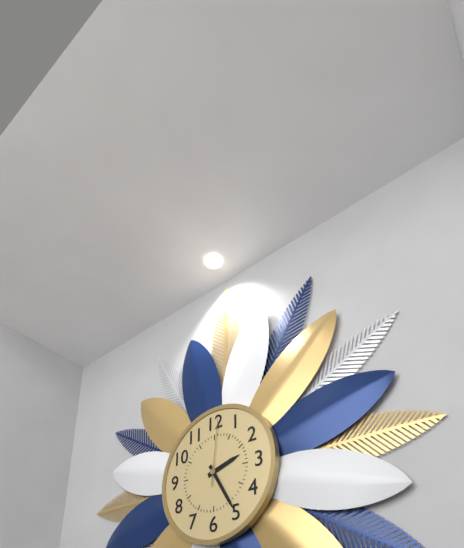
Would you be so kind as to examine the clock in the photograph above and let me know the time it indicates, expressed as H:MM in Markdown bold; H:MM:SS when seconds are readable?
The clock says **2:25:01**
